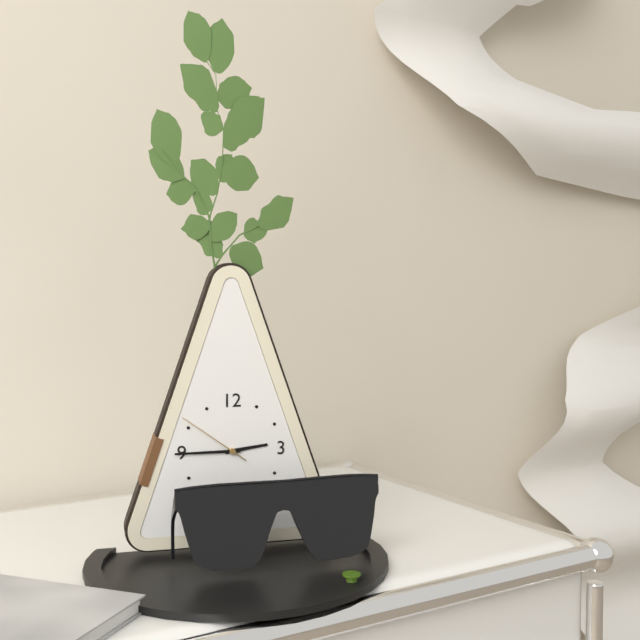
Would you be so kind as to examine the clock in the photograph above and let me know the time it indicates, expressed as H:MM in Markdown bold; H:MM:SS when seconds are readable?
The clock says **2:45:51**
